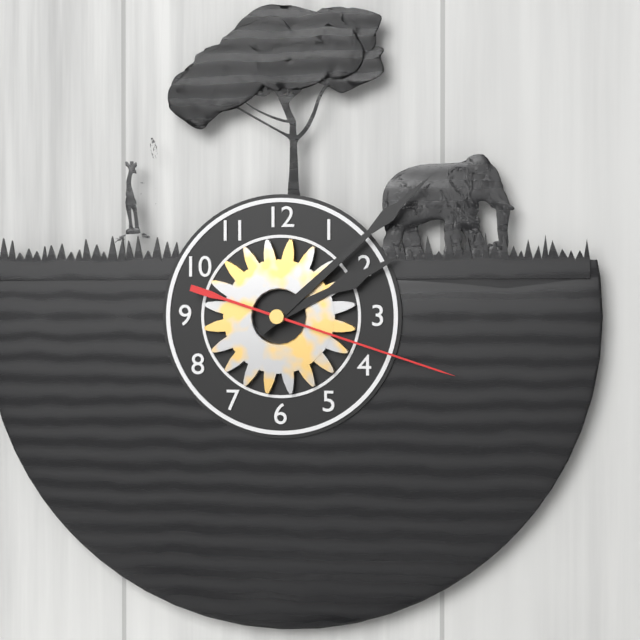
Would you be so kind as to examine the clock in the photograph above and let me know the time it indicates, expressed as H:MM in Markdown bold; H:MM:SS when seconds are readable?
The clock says **2:08:18**
